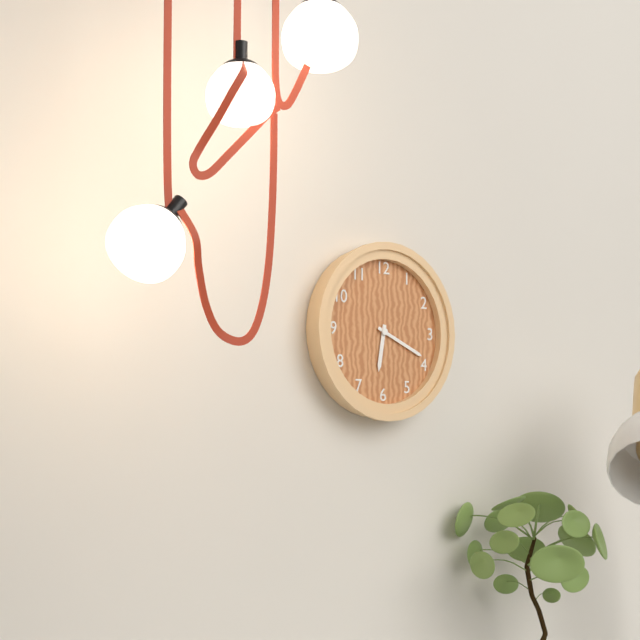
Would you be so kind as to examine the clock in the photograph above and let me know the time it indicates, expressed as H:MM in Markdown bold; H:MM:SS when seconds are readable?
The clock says **6:19**
